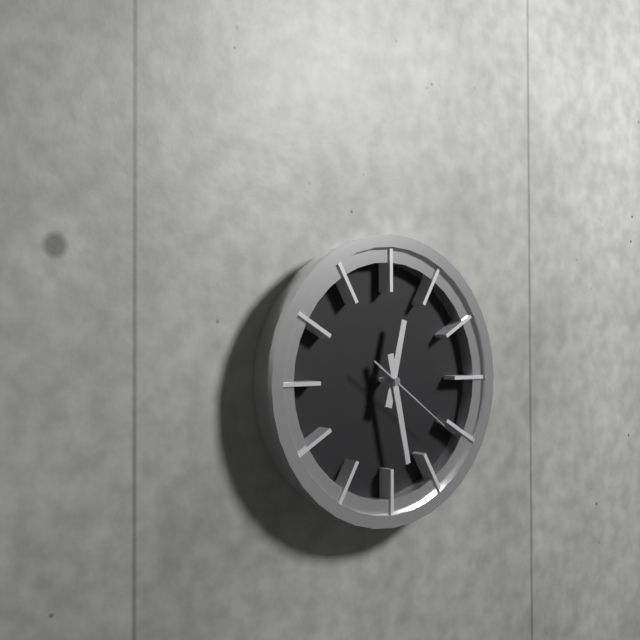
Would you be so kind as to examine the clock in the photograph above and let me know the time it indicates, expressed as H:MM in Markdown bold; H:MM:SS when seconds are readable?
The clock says **12:28:21**
